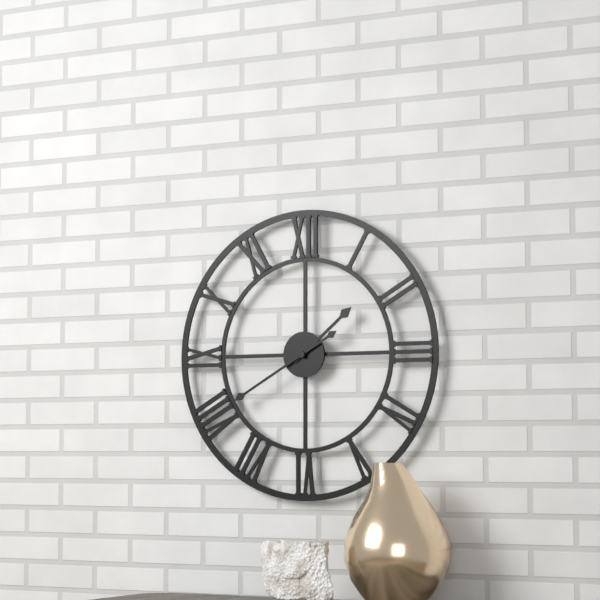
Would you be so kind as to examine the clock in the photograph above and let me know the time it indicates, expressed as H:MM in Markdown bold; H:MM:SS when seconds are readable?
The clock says **1:40**
